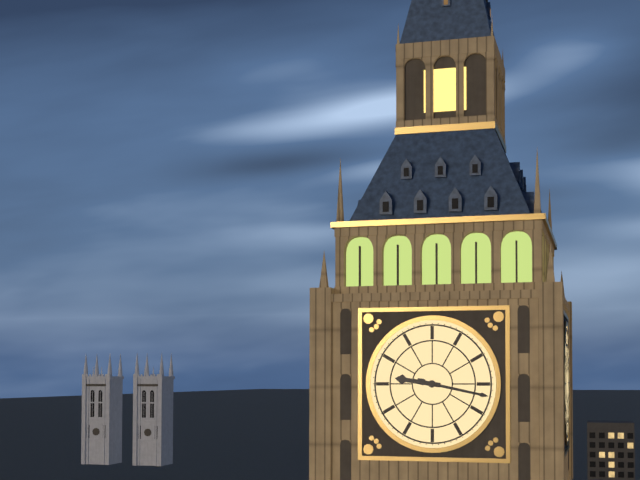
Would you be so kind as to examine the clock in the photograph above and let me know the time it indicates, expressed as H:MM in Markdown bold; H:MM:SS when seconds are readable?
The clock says **9:17**
